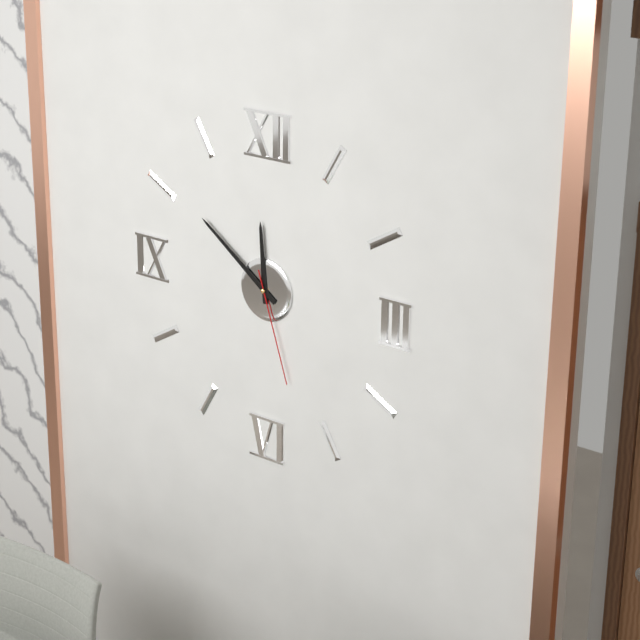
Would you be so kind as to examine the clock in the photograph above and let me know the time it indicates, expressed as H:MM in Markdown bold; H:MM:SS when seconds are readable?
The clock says **11:51:27**
